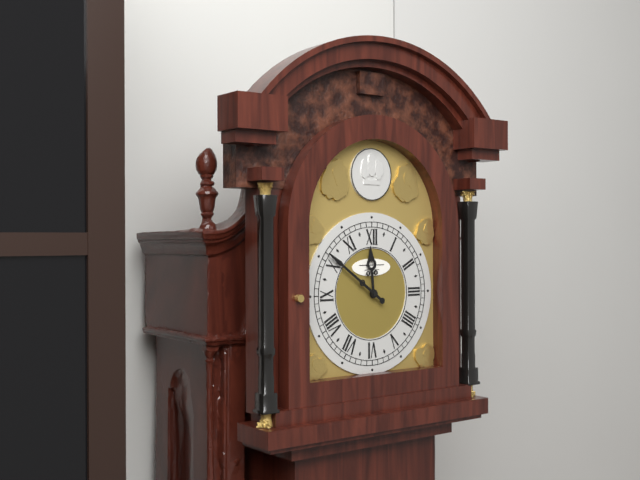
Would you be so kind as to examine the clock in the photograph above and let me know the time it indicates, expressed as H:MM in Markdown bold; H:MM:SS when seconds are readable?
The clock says **11:51**
